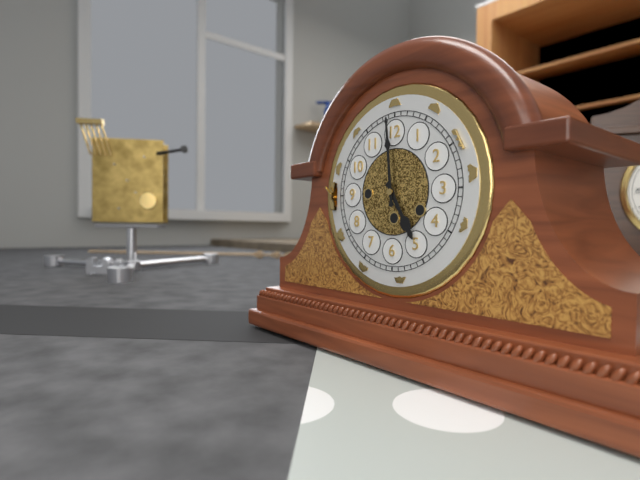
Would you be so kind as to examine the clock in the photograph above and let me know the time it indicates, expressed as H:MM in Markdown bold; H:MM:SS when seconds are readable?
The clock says **4:59**
